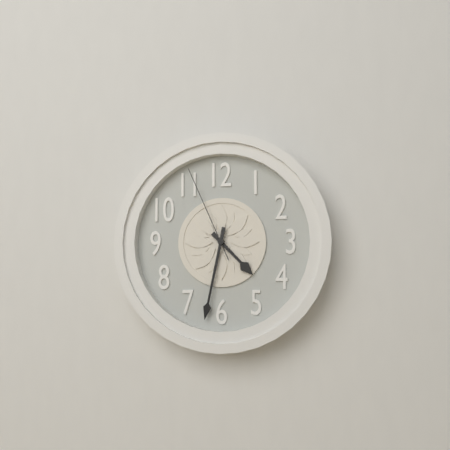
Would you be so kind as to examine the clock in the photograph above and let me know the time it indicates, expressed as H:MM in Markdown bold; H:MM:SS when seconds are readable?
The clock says **4:32:56**
